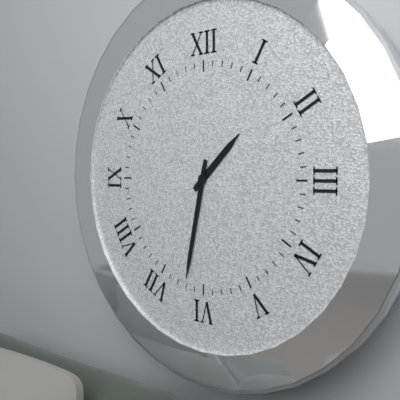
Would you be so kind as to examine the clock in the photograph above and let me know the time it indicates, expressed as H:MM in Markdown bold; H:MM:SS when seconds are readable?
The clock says **1:32**
